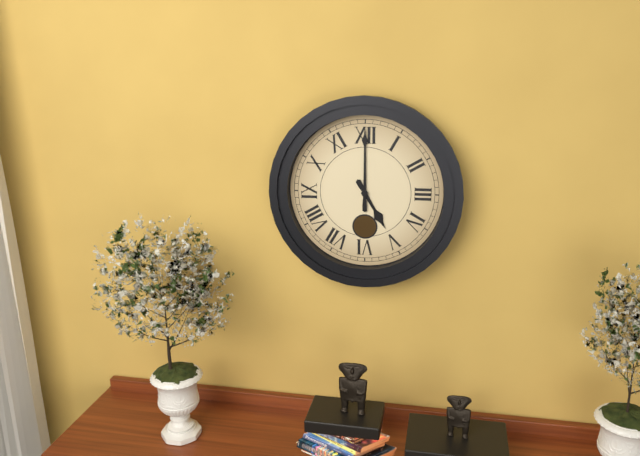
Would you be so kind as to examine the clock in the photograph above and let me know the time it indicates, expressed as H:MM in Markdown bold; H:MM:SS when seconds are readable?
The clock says **5:00**
